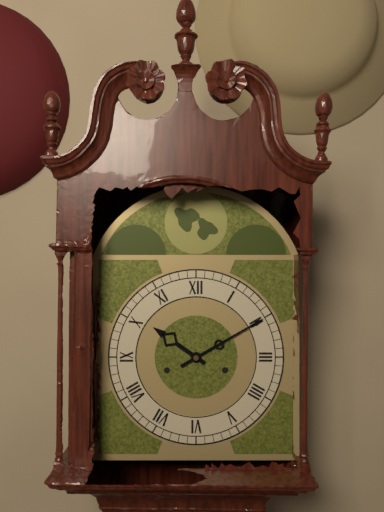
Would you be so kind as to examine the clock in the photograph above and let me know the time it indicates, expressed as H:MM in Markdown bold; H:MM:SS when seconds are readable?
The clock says **10:10**
